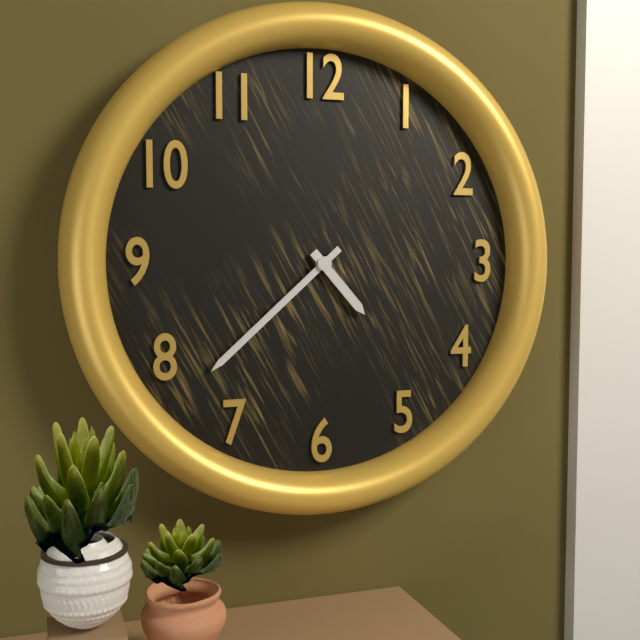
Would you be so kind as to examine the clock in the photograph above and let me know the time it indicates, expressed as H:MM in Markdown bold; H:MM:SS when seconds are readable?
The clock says **4:38**
